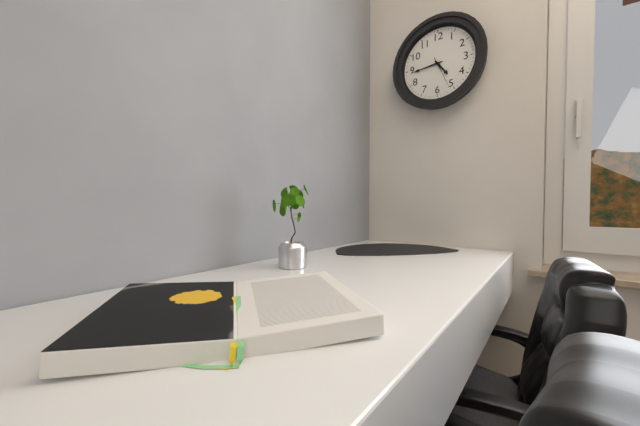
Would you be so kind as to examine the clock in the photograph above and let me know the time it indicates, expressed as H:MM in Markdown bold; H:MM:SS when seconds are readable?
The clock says **4:44**
